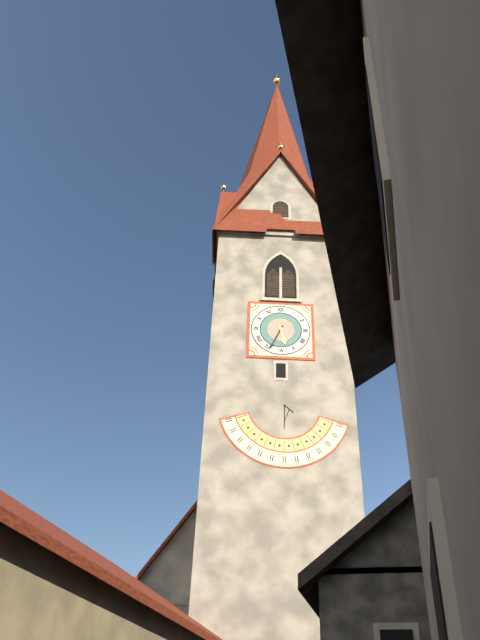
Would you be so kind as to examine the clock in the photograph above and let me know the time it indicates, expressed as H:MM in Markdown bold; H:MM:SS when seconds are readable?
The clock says **5:34**
